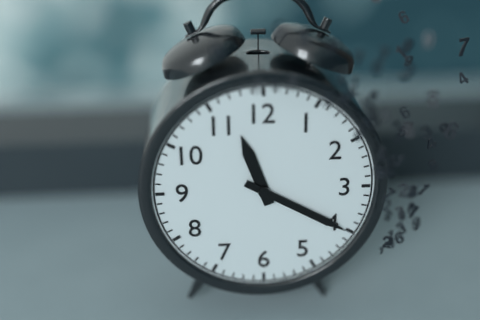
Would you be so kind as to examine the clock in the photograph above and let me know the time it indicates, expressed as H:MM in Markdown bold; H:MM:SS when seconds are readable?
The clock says **11:20**
